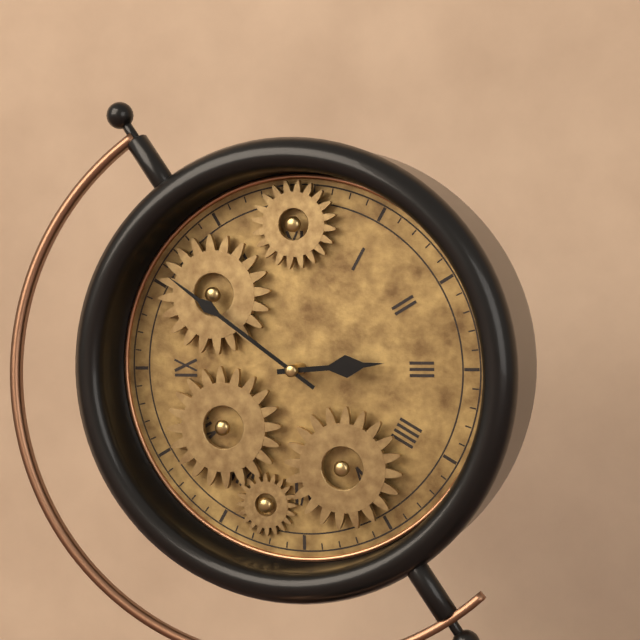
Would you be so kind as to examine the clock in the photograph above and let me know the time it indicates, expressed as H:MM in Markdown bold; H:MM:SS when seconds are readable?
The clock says **2:51**
